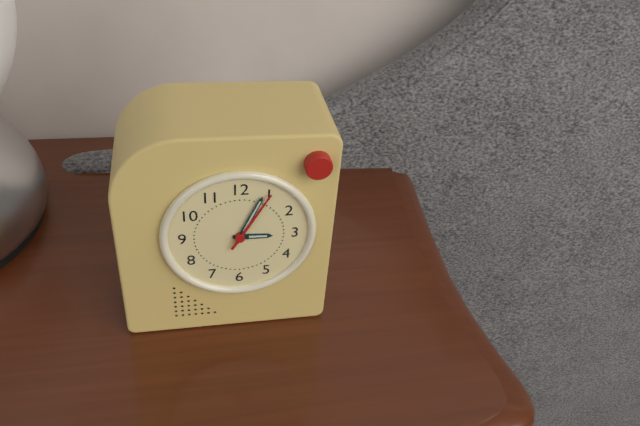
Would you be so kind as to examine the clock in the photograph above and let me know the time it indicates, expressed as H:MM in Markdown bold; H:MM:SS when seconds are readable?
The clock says **3:04:05**
